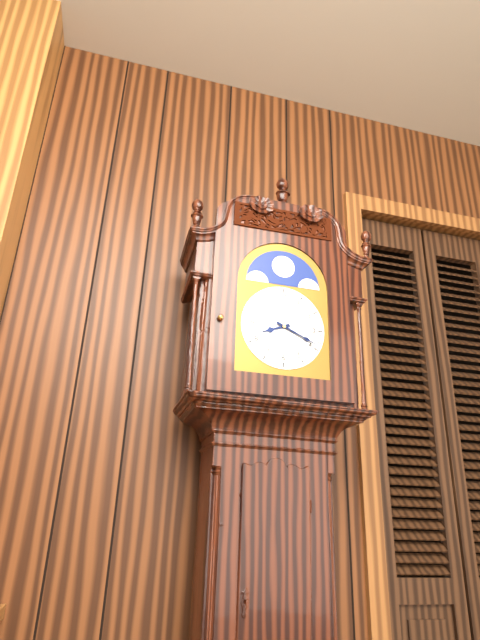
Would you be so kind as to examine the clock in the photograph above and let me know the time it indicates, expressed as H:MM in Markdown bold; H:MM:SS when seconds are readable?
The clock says **8:19**
